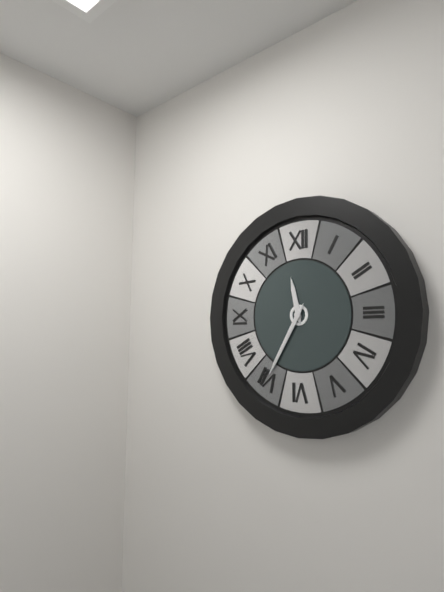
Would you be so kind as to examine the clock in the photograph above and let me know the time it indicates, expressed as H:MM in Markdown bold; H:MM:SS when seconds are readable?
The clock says **11:35**
